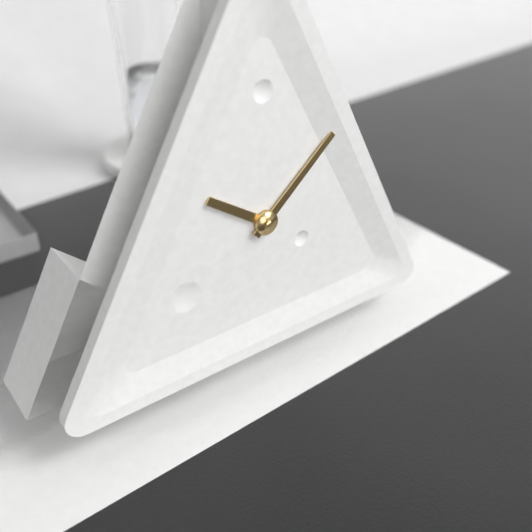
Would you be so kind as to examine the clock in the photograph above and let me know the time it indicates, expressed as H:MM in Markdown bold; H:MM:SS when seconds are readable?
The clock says **10:08**
